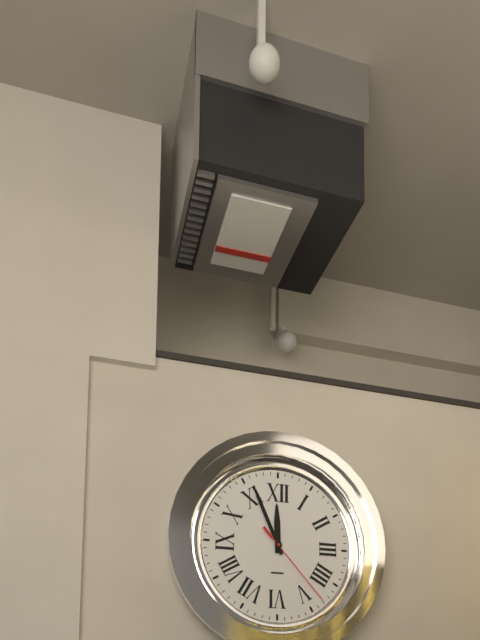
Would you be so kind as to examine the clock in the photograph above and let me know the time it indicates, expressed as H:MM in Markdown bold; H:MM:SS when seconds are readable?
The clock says **11:56:23**
